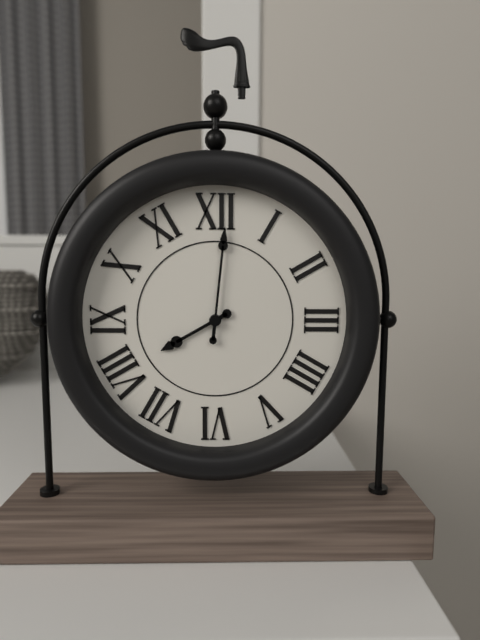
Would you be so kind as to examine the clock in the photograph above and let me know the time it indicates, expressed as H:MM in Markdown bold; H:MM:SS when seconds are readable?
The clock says **8:01**
